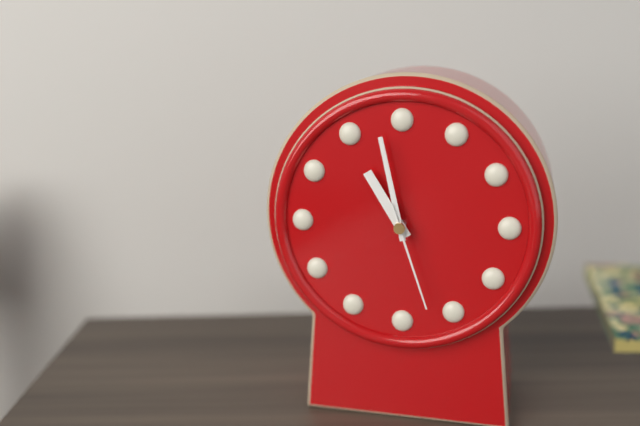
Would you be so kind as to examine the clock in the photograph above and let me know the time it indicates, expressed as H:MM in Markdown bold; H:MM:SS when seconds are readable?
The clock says **10:58:27**
